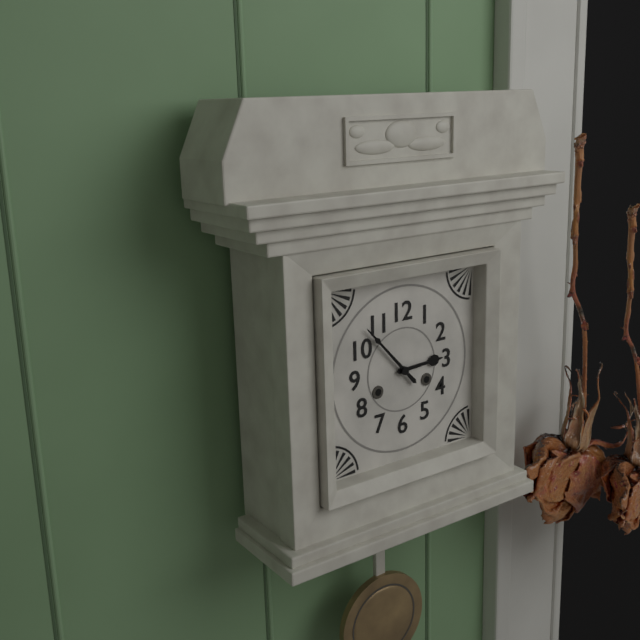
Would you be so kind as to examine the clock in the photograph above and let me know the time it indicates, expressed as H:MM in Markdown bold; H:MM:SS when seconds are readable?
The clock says **2:53**
